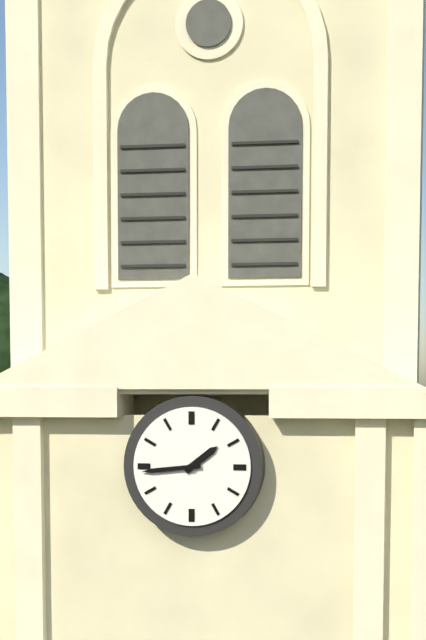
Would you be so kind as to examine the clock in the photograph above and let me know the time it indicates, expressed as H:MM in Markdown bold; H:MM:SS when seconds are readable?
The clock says **1:44**
